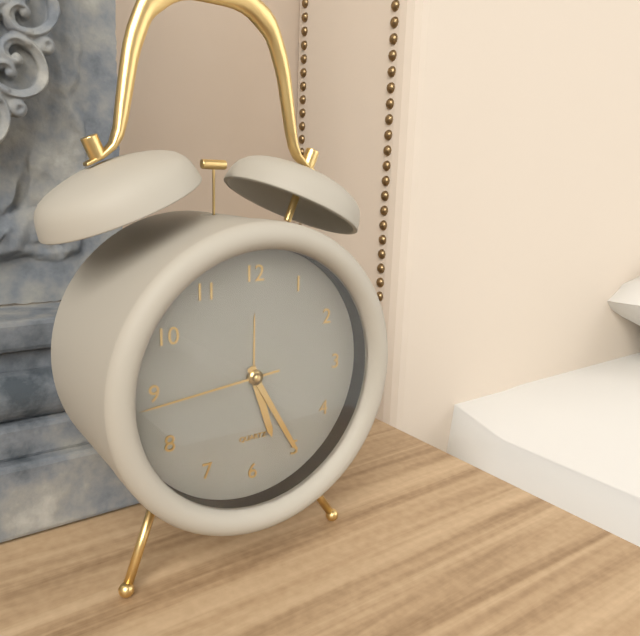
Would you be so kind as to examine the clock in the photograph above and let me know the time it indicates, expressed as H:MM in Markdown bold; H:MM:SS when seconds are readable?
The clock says **5:25:44**
